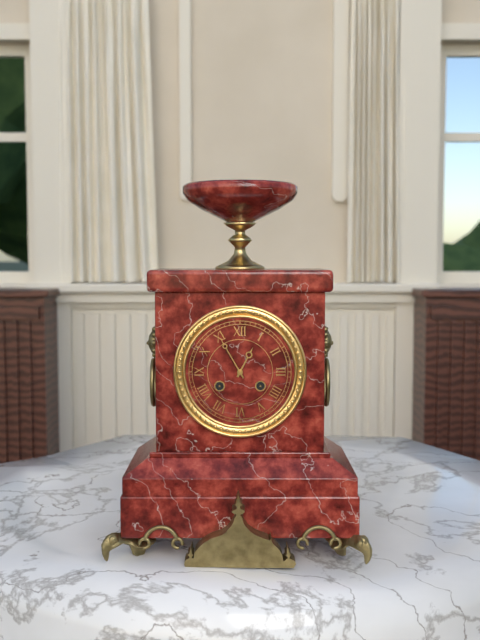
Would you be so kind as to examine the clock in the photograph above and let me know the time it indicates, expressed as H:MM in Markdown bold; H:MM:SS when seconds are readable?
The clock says **12:55**
